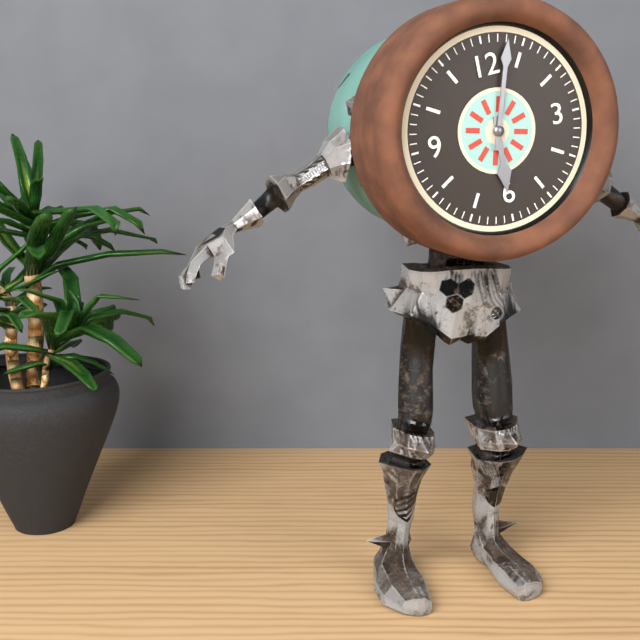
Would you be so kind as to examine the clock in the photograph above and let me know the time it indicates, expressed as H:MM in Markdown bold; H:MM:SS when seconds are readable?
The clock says **6:03**
